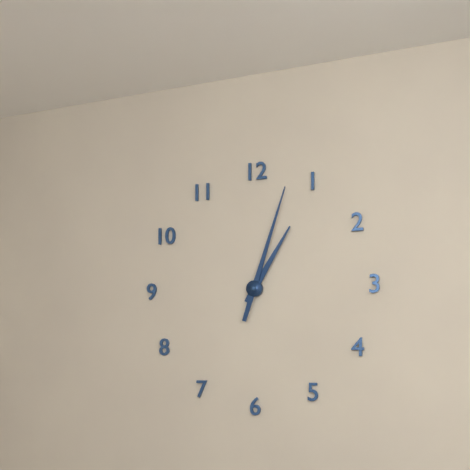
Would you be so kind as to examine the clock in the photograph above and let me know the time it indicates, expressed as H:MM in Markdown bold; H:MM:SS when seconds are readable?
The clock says **1:03**
